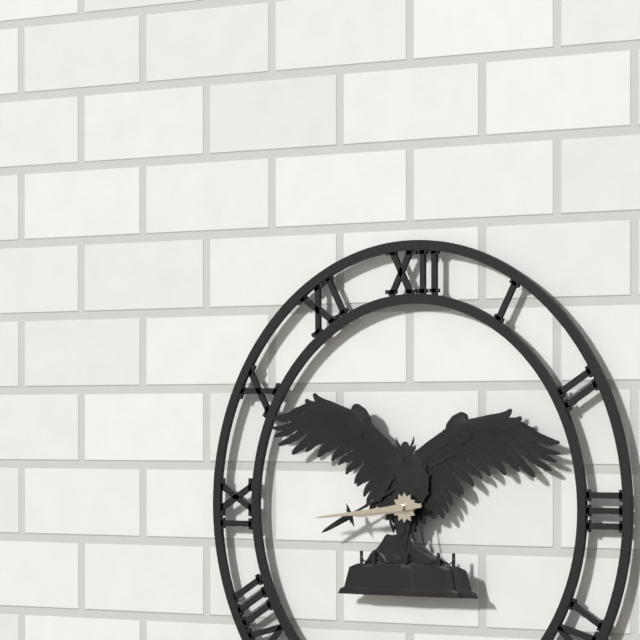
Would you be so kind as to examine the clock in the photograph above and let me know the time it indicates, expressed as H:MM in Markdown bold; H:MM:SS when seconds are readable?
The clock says **8:44**
